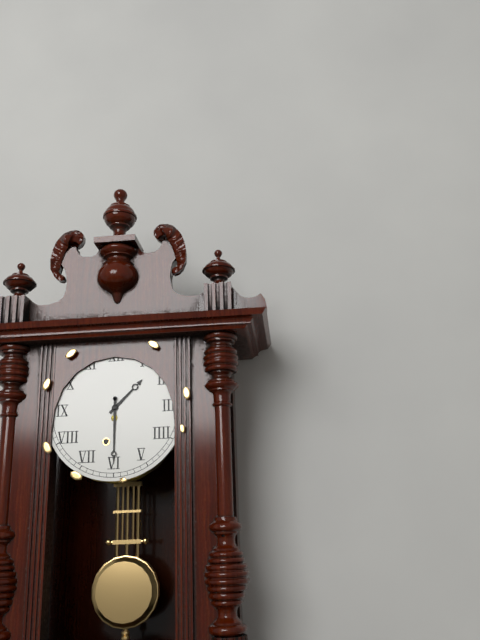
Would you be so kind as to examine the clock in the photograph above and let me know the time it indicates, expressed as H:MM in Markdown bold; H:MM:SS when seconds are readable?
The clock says **1:30**
